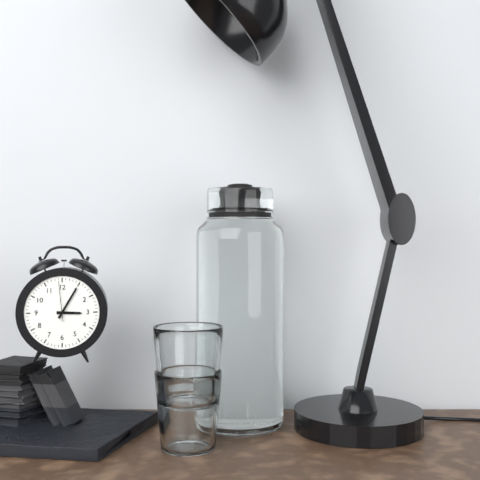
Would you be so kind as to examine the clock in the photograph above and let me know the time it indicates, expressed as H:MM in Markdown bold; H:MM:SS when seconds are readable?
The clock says **3:05**
